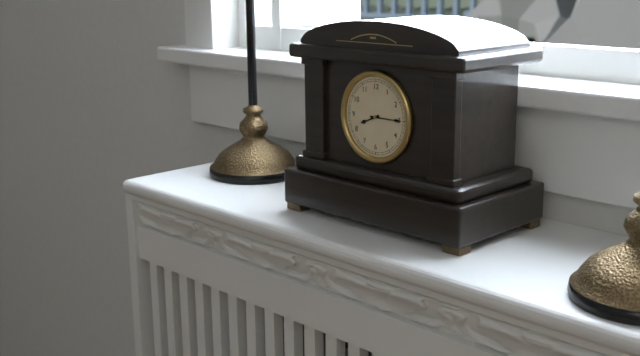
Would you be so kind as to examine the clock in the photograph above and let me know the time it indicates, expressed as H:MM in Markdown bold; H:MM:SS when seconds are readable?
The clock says **8:15**
